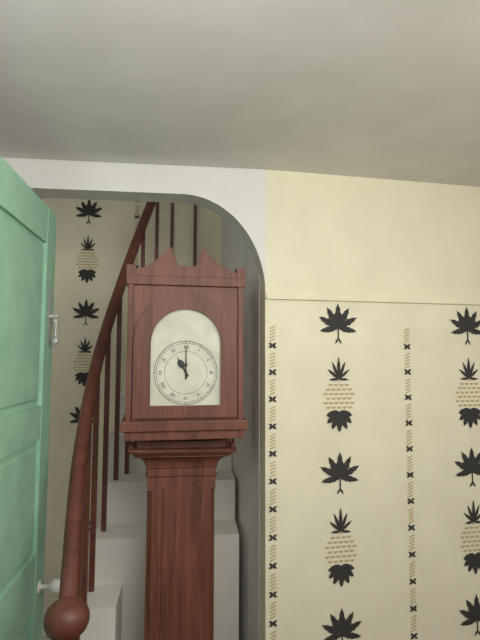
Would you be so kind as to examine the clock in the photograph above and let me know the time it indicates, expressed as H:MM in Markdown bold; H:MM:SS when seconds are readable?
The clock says **11:00**
